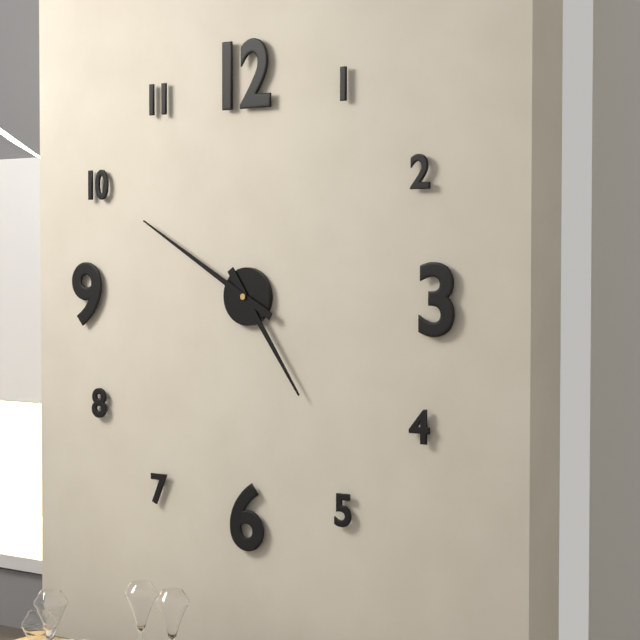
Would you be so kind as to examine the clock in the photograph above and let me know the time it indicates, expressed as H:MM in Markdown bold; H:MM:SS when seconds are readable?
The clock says **4:50**
